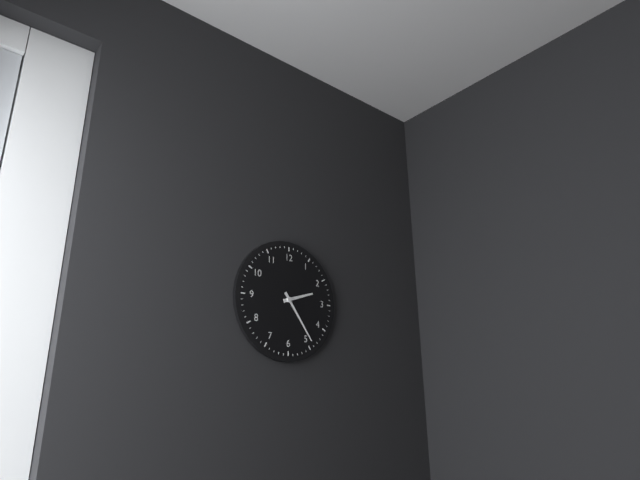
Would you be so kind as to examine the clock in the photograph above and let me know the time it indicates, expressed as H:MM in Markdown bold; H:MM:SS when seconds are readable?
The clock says **2:24**
